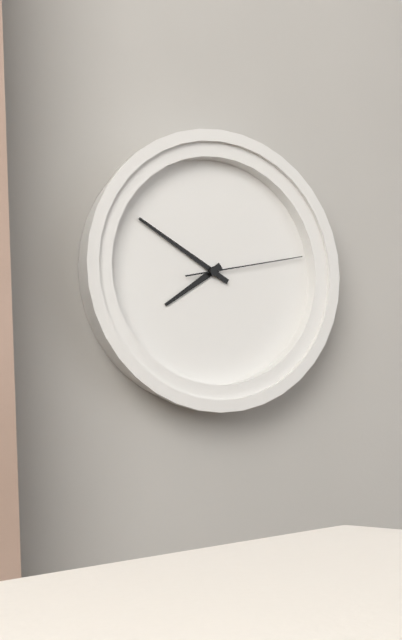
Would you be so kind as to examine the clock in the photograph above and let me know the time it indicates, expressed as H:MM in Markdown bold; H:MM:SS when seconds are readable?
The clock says **7:50:13**
